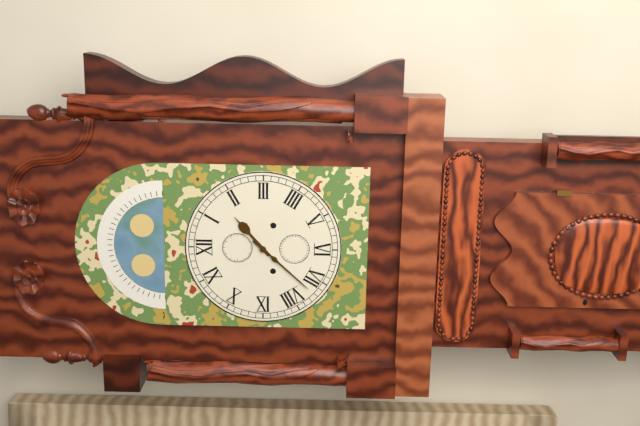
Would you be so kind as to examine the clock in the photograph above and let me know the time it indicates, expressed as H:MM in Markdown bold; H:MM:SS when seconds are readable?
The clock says **1:37**
